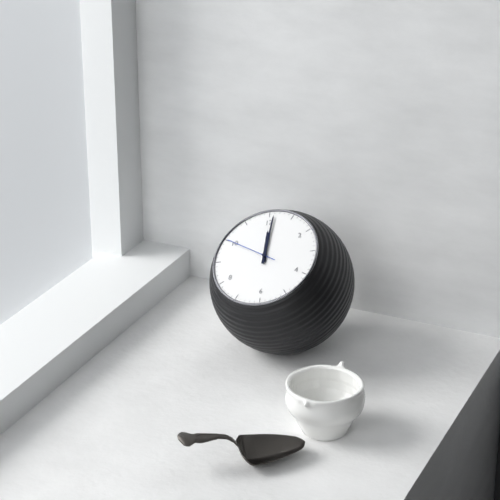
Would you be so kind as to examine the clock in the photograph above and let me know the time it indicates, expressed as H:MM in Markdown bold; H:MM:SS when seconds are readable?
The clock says **12:01:50**
